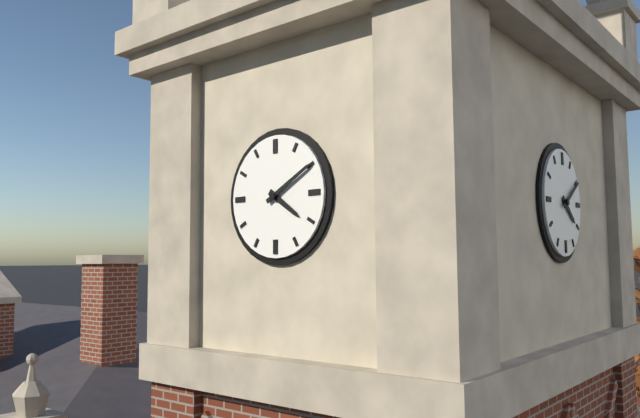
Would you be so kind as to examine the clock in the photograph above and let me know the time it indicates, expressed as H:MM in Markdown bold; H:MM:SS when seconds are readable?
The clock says **4:10**
